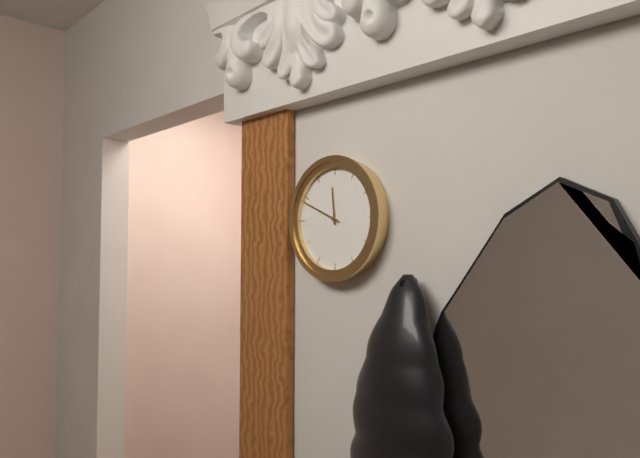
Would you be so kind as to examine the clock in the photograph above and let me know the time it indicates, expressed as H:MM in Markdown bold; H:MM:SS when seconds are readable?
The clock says **11:49**
